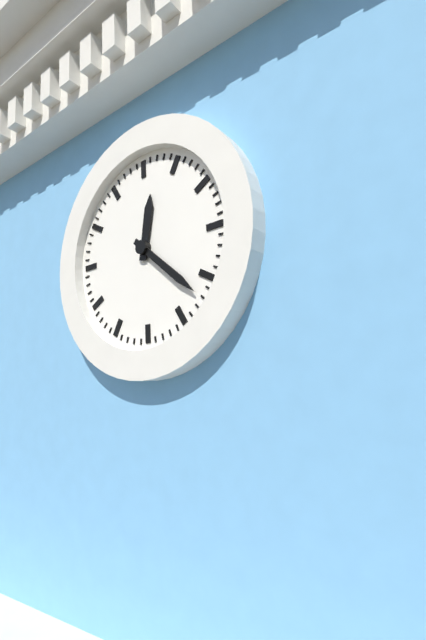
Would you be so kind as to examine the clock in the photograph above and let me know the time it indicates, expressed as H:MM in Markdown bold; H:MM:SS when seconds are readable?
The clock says **12:22**
